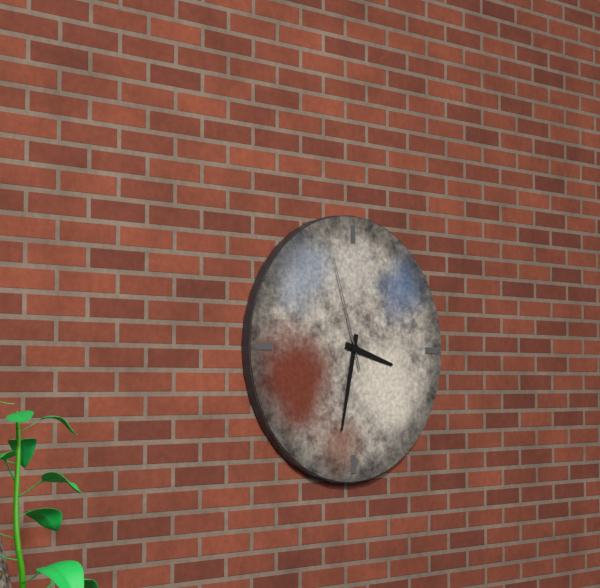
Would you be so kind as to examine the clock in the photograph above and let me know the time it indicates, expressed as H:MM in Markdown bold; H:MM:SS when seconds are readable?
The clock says **3:32:57**
